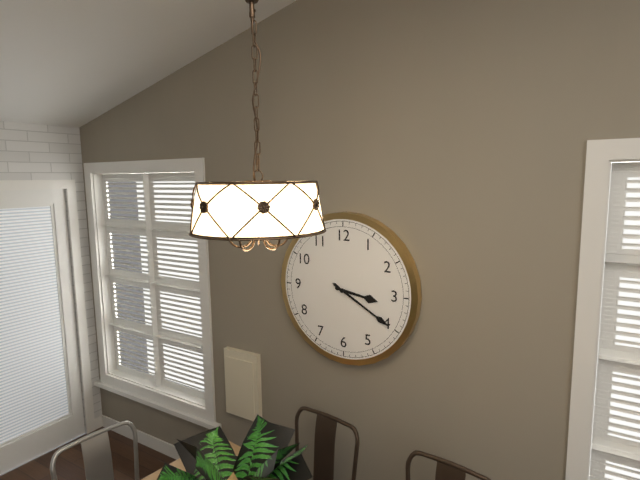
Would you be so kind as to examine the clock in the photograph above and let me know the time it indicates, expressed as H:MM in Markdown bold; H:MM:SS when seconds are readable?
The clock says **3:20**
